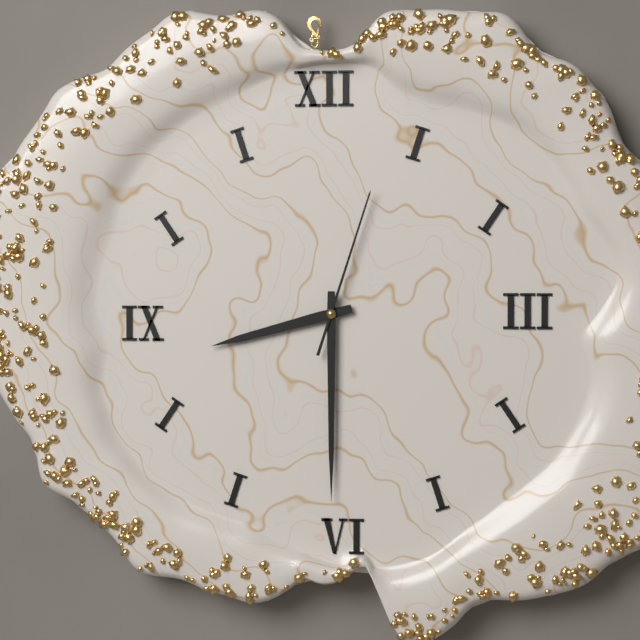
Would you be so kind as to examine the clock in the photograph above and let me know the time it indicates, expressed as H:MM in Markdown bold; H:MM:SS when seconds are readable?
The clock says **8:30:03**
